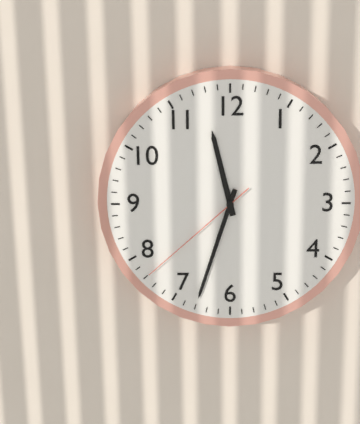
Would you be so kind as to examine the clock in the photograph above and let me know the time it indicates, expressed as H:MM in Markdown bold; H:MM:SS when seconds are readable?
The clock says **11:33:38**
